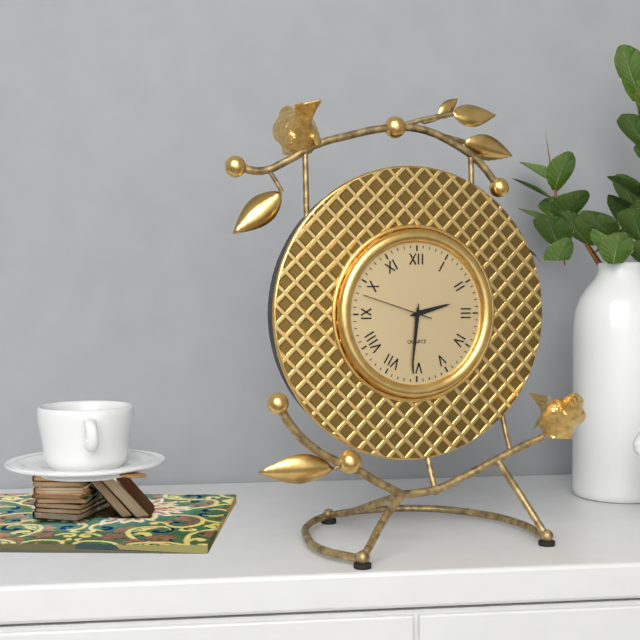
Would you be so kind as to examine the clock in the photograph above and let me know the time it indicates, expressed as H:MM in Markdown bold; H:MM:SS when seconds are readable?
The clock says **2:31:48**
